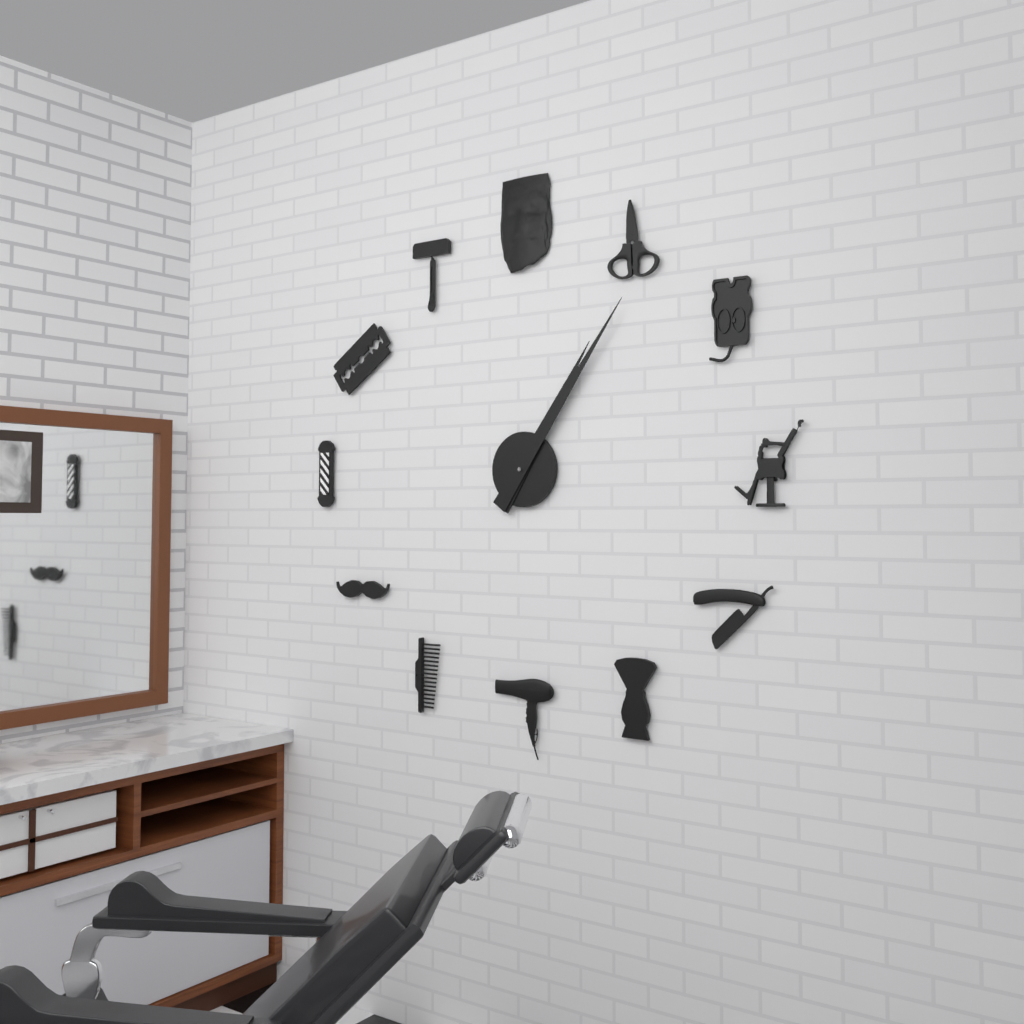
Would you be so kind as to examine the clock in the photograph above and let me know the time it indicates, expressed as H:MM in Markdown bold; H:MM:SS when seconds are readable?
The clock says **1:06**
